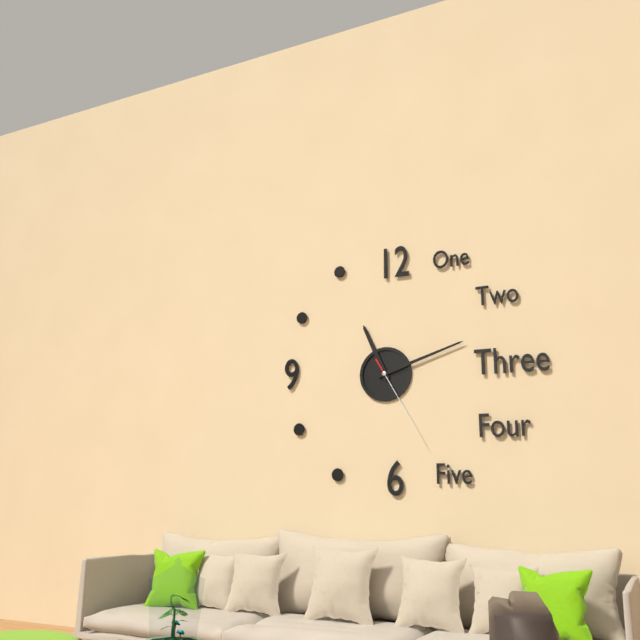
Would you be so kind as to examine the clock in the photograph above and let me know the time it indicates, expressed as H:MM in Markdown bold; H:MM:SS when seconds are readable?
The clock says **11:12:25**
